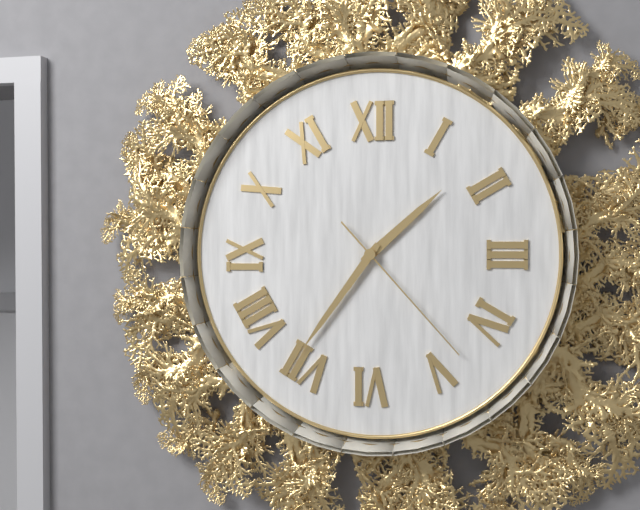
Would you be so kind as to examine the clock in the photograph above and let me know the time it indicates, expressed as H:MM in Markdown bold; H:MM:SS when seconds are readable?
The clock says **1:36:23**
